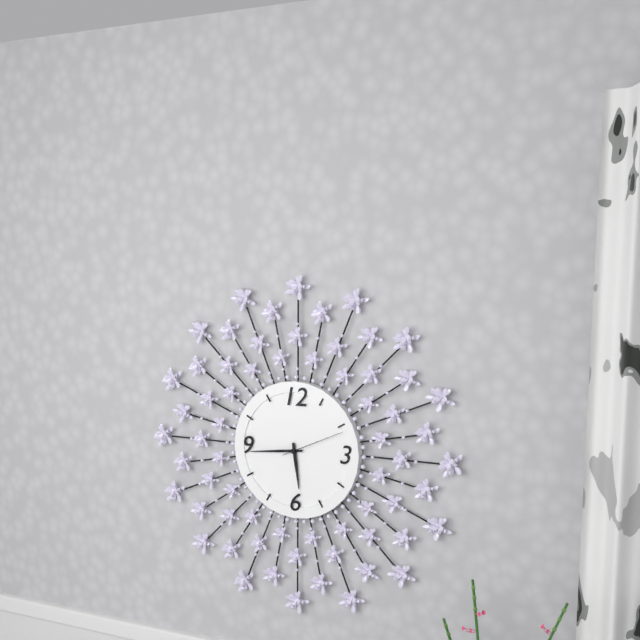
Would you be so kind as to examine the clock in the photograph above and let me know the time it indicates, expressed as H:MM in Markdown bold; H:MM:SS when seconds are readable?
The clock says **5:44:11**
